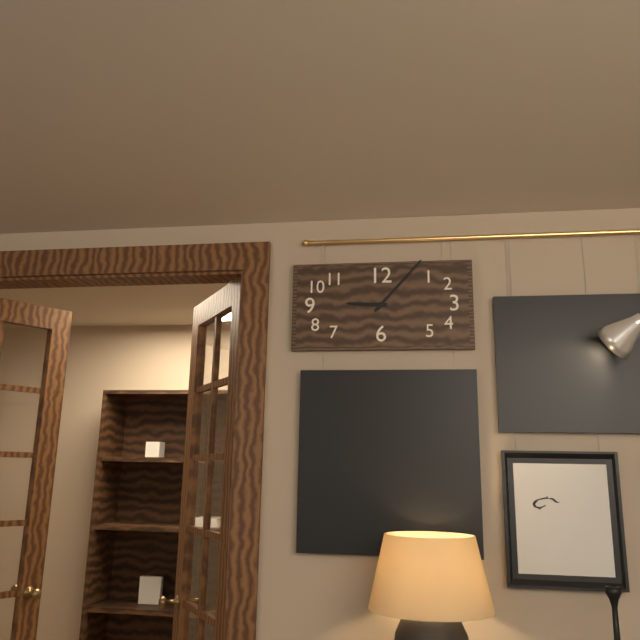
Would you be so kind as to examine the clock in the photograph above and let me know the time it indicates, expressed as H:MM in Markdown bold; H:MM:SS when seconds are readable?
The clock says **9:07**
